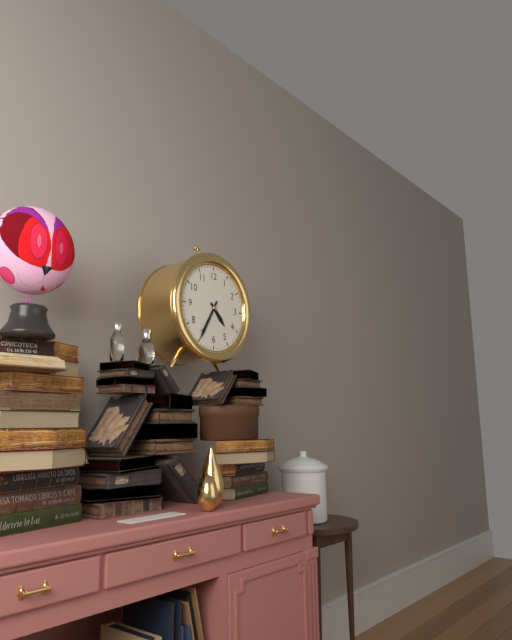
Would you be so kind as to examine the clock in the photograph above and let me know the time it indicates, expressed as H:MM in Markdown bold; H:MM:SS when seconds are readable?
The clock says **4:35**
